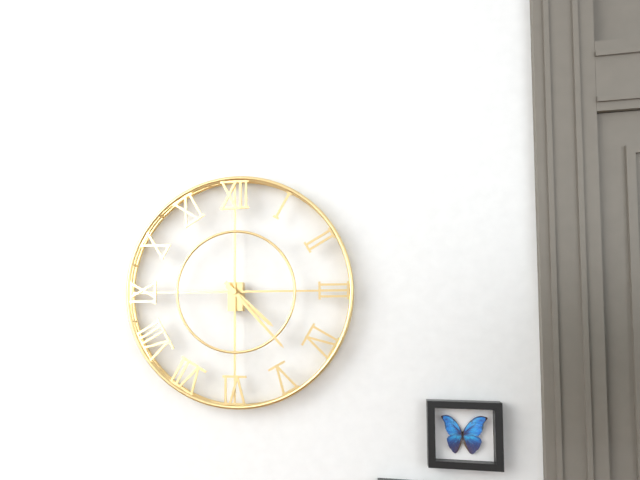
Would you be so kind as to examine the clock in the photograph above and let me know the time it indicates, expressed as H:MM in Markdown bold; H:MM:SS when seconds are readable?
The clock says **4:23**
